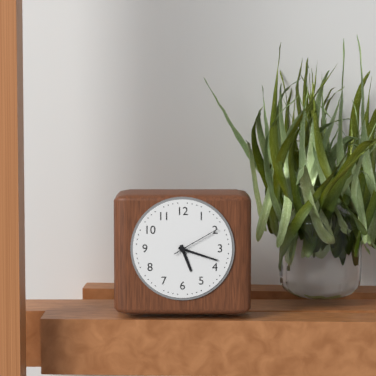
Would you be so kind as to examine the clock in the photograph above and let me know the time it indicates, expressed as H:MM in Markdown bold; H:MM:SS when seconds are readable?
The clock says **5:18:10**
